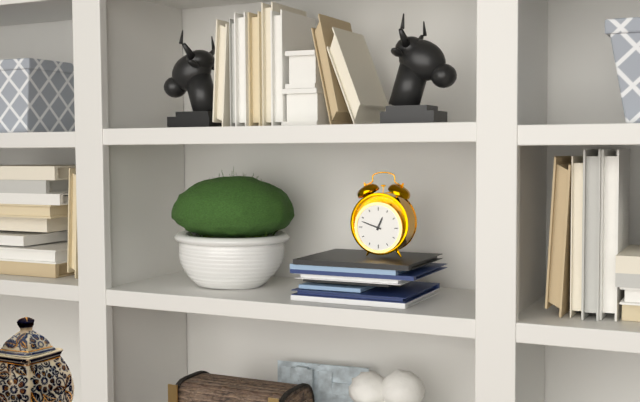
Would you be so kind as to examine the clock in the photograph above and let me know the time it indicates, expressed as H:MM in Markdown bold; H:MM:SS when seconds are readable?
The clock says **12:48**
